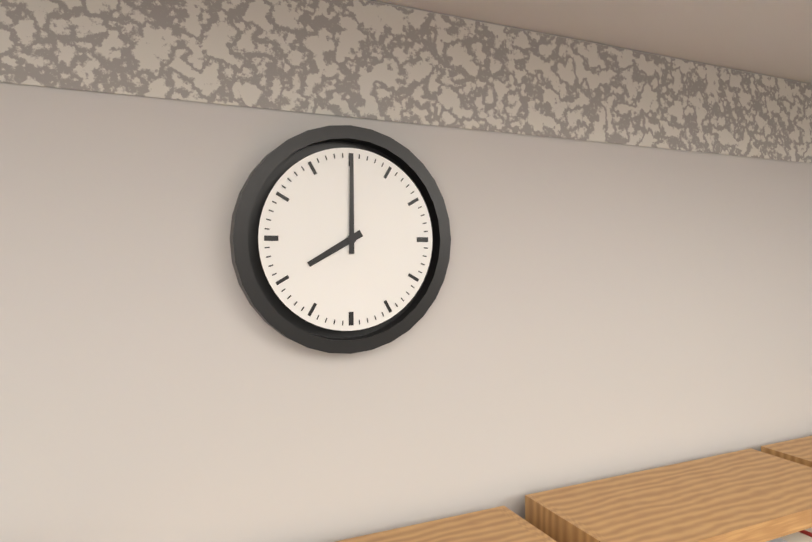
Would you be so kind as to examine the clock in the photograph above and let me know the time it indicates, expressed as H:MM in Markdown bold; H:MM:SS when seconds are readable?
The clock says **8:00**
